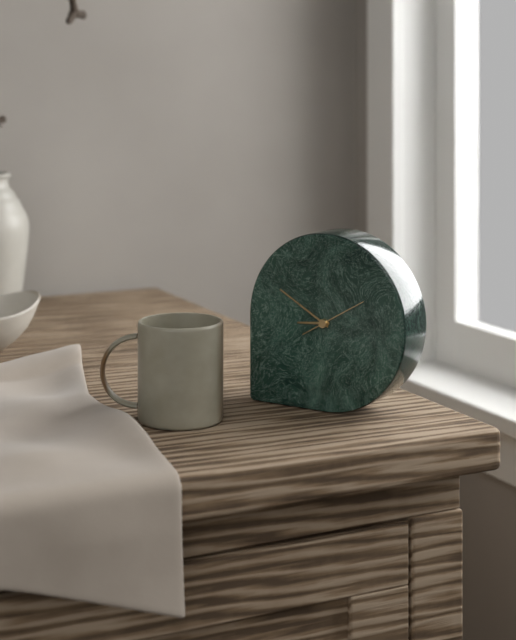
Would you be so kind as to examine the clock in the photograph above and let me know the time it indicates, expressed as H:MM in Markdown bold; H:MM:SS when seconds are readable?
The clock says **8:50:10**
